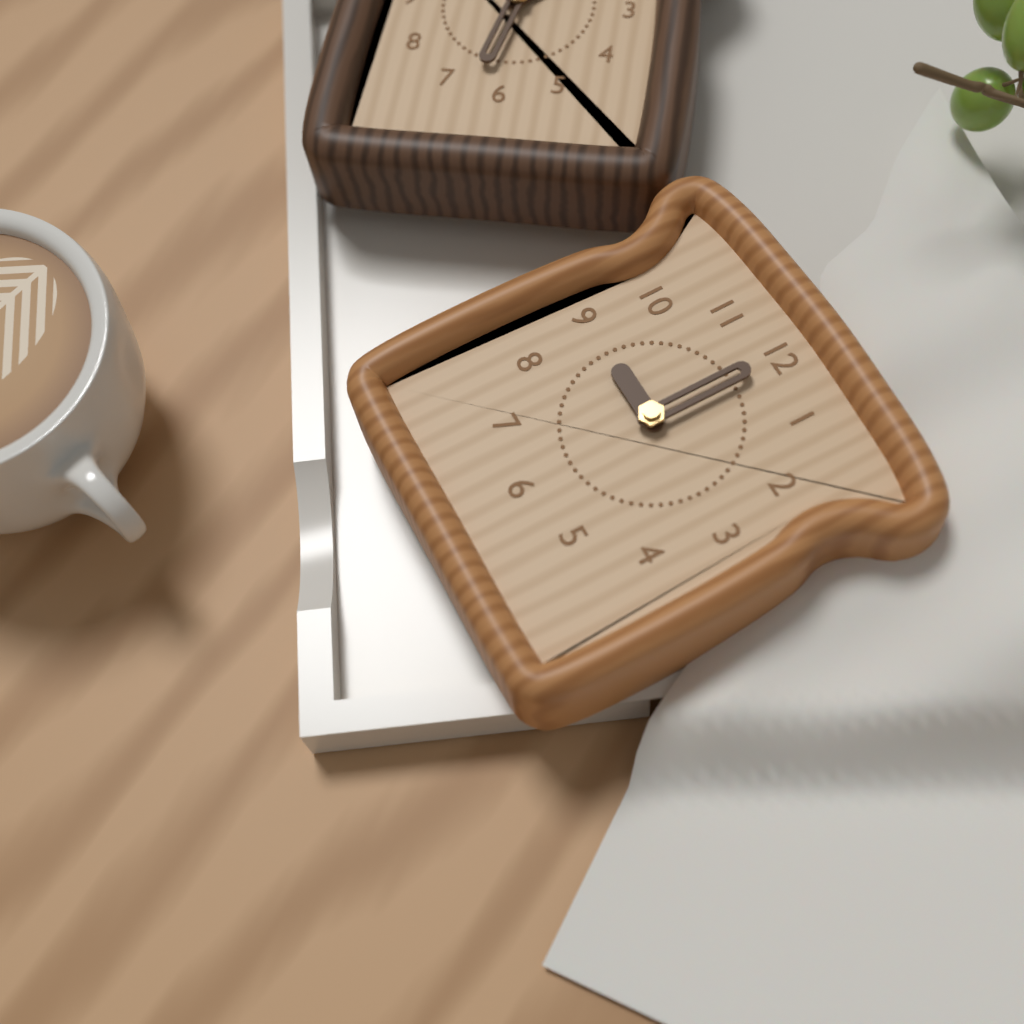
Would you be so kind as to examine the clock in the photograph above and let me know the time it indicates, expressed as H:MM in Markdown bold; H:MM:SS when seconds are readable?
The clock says **9:00**
